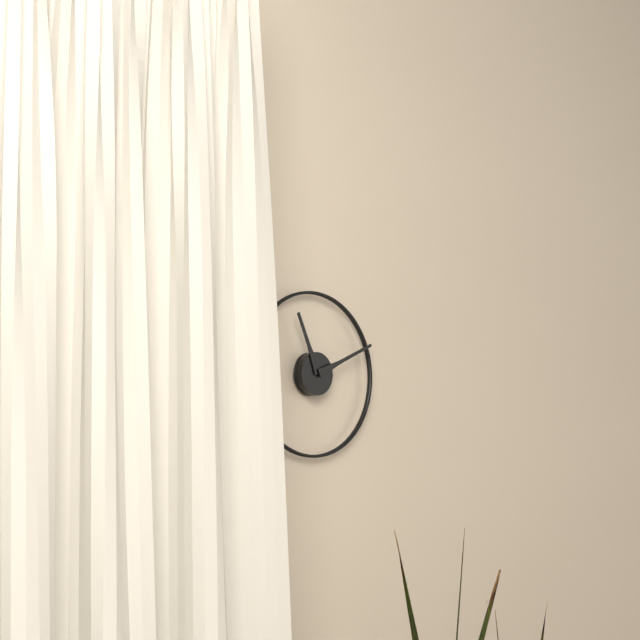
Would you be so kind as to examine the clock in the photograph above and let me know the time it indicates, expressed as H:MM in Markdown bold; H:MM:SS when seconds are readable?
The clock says **11:11**
